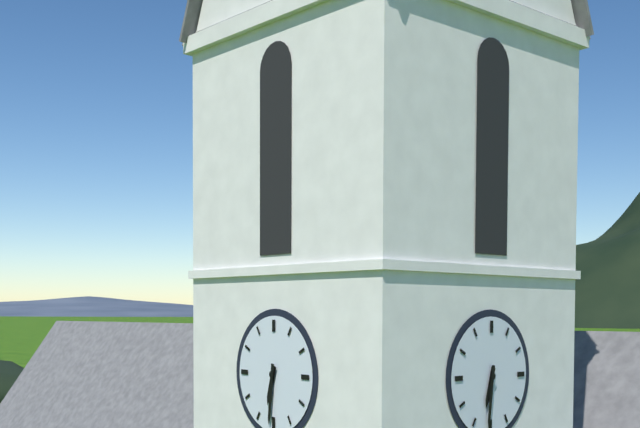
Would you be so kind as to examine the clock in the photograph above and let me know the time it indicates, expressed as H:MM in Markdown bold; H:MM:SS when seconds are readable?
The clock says **6:31**
